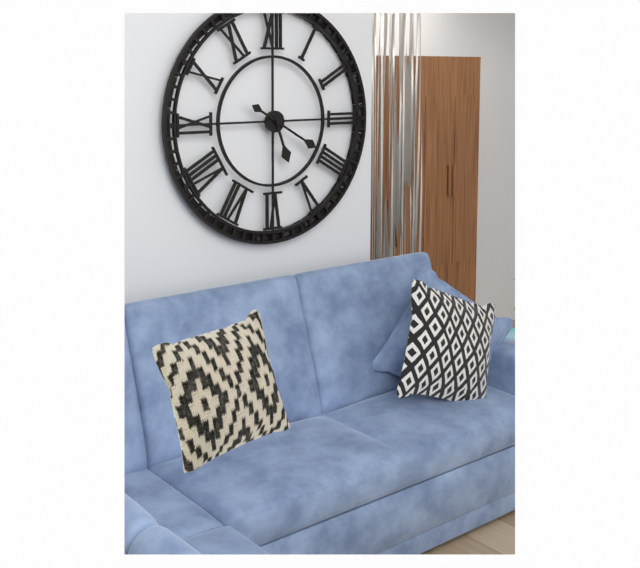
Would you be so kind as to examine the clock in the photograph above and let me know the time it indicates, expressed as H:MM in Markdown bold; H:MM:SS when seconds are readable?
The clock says **5:20**
